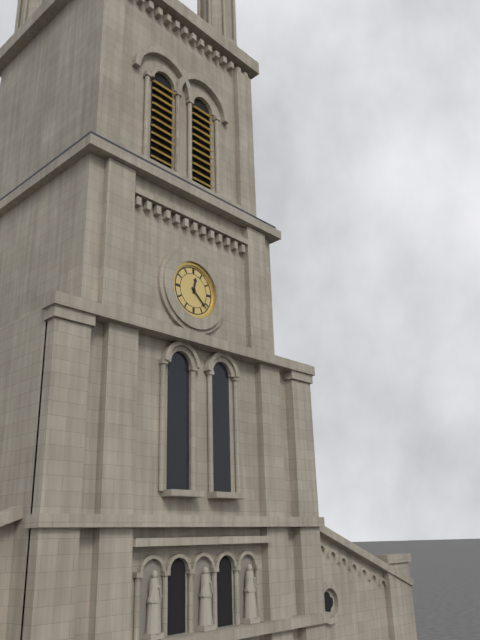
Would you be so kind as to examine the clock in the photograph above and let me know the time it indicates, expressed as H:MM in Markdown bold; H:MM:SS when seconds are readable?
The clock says **12:22**
